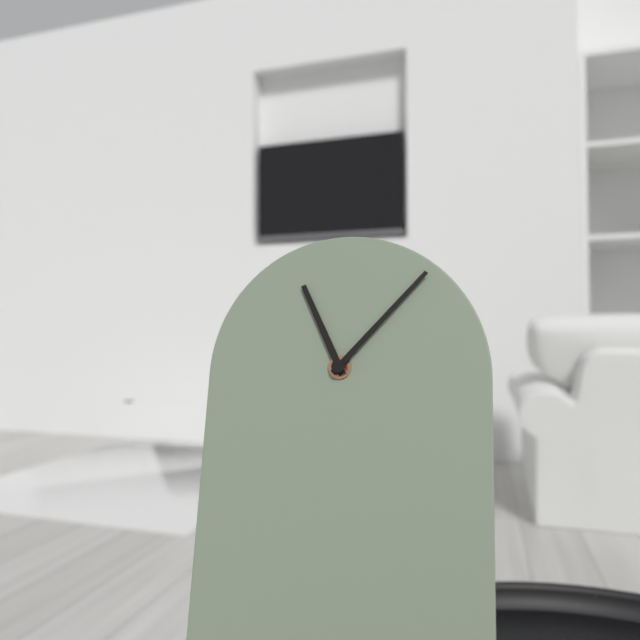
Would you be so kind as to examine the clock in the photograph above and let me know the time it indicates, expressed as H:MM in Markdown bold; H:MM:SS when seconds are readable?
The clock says **11:07**
